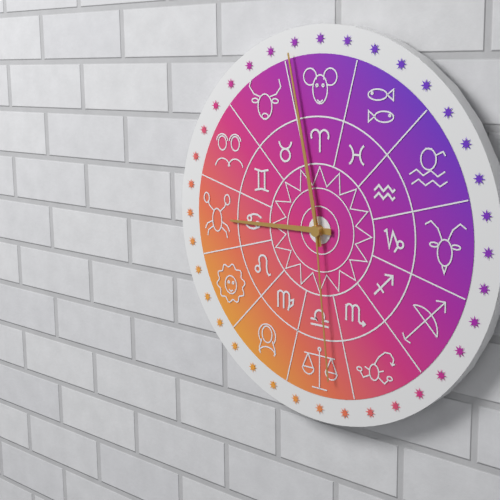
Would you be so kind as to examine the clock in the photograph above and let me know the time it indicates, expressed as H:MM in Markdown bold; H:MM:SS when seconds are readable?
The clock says **8:58:29**
